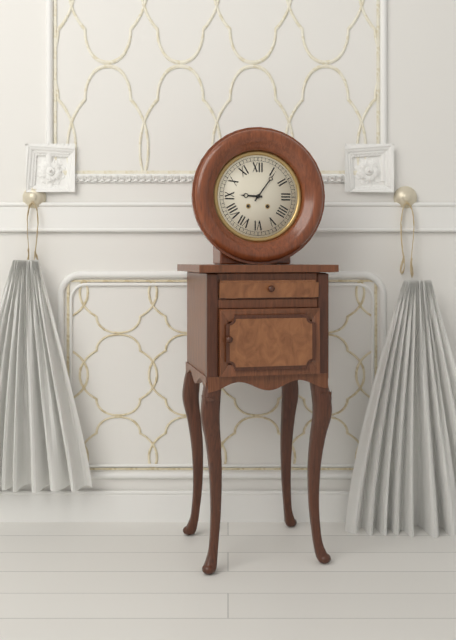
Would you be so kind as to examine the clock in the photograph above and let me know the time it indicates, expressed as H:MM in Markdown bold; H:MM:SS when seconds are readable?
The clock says **9:06**
